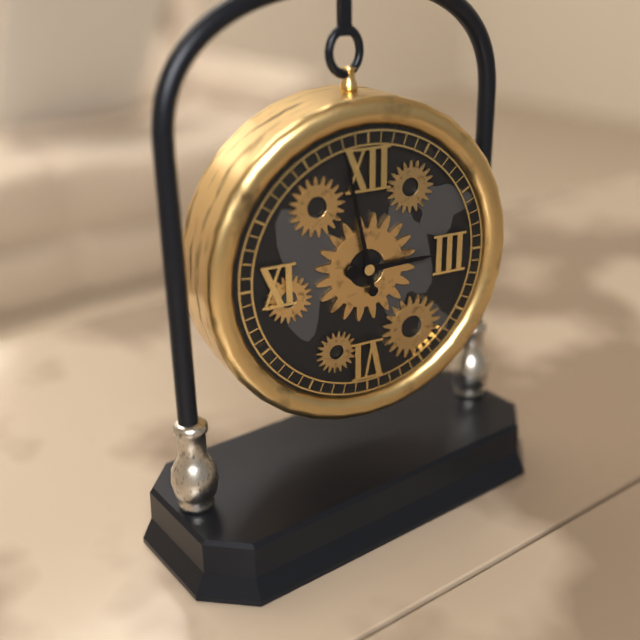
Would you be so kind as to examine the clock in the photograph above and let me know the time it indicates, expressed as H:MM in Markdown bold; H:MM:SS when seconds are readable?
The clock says **2:58**
